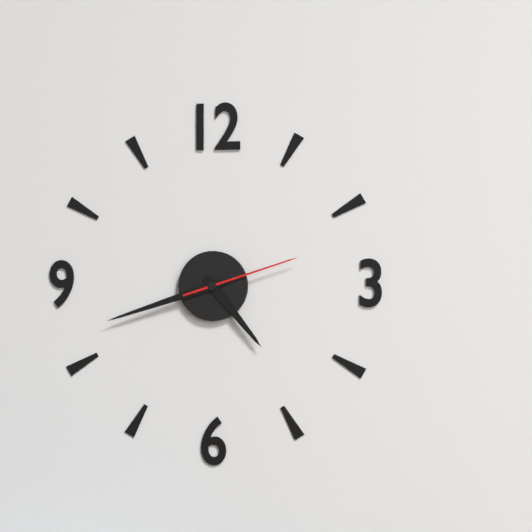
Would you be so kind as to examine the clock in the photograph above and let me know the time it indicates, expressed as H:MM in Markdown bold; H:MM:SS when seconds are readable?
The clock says **4:42:12**
